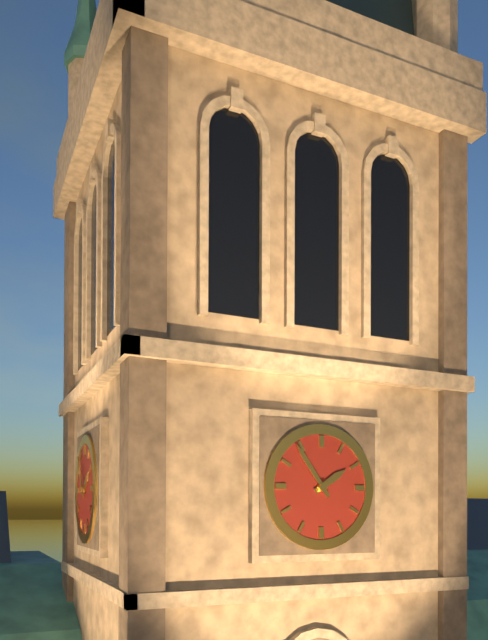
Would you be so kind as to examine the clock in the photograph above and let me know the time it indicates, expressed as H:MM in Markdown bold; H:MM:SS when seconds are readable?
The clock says **1:54**
